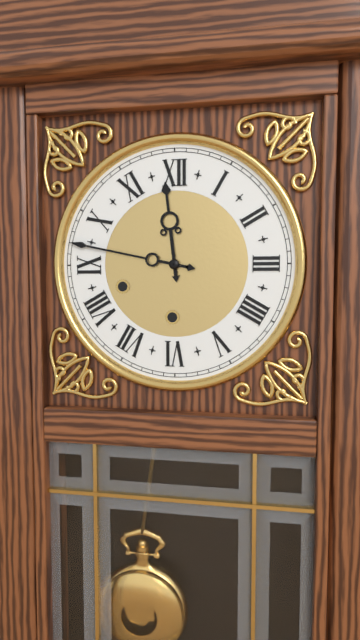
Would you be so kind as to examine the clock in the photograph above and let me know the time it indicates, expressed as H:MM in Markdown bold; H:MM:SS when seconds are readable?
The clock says **11:47**
